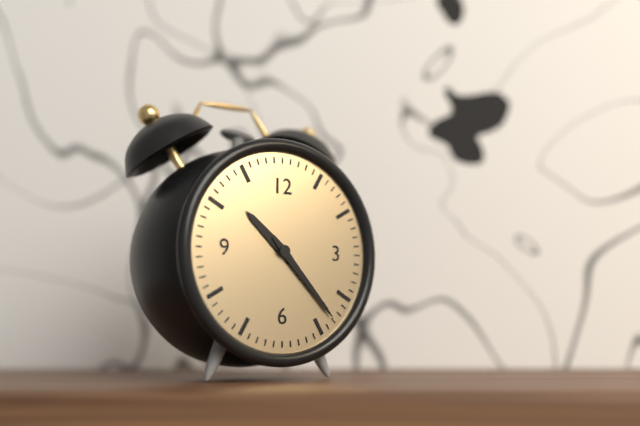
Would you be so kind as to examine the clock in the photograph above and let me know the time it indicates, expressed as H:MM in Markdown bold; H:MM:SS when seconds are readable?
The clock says **10:23**
